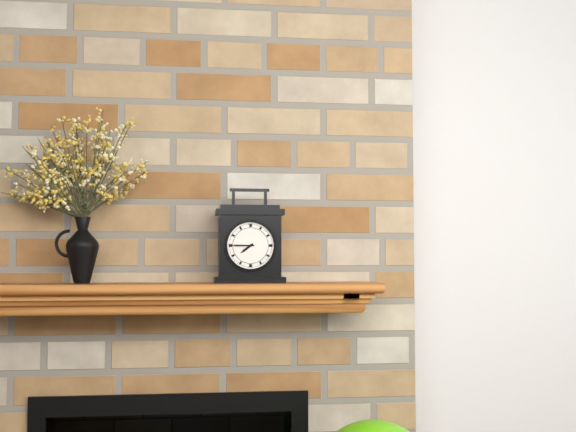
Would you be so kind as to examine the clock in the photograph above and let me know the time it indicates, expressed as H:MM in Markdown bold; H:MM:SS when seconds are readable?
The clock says **7:45**
